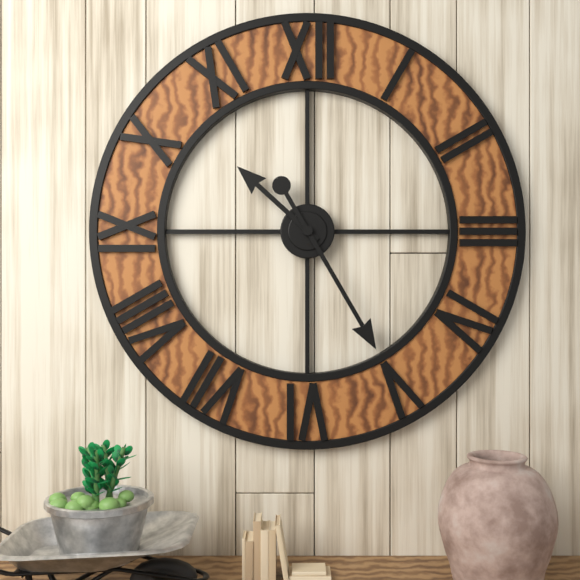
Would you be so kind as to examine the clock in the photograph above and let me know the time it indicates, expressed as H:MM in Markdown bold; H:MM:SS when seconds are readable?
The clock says **10:25**
